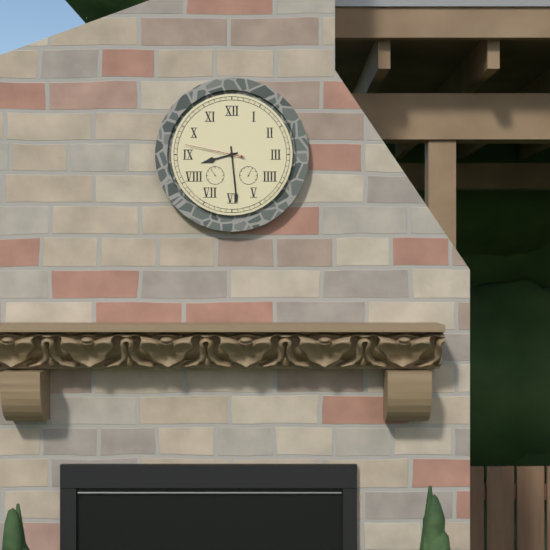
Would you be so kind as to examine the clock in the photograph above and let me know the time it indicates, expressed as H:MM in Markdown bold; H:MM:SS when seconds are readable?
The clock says **8:29:47**
